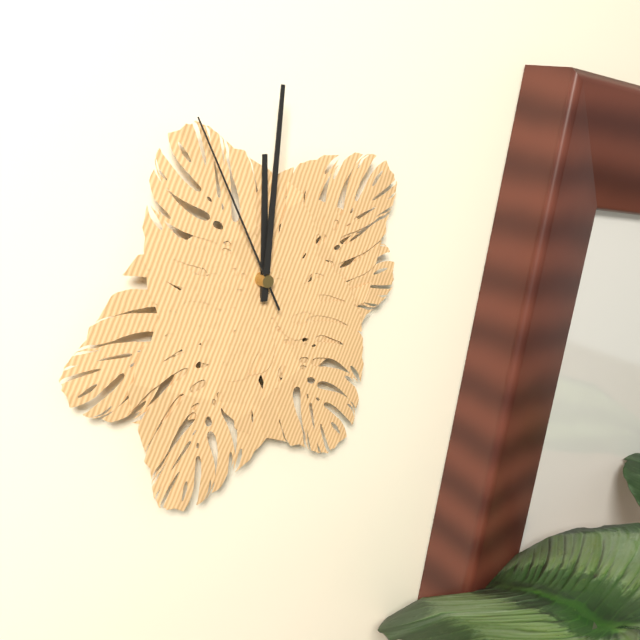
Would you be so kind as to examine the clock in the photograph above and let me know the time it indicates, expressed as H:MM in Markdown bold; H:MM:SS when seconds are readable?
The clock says **12:01:56**
